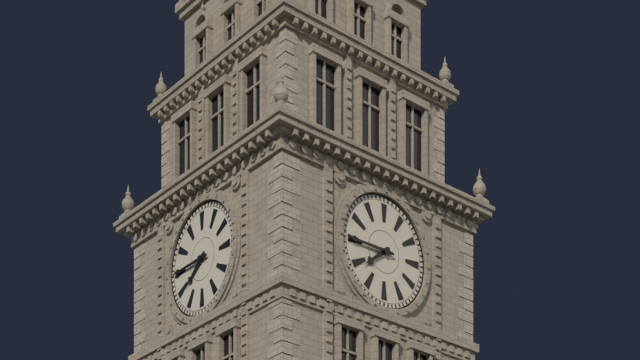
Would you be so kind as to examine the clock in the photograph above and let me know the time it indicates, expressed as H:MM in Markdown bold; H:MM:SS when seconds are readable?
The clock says **7:45**
